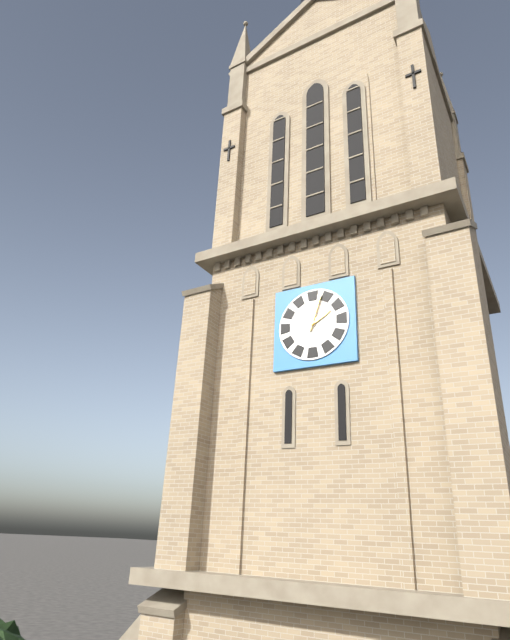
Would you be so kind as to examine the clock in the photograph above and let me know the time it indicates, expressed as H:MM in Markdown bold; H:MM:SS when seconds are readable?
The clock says **2:03**
